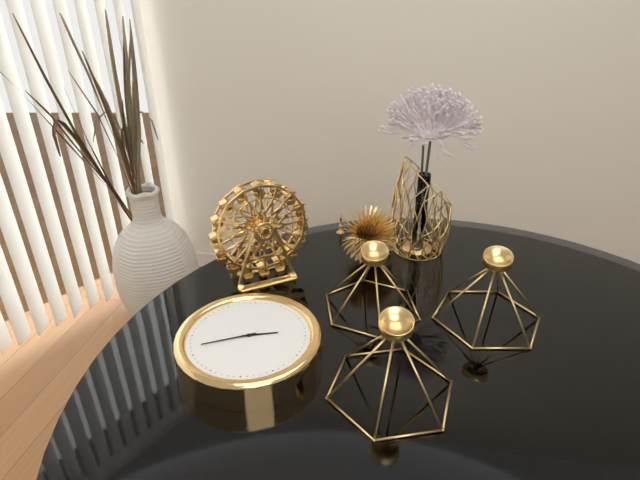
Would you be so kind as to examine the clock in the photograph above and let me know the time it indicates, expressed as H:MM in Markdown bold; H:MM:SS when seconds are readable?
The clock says **2:42**
